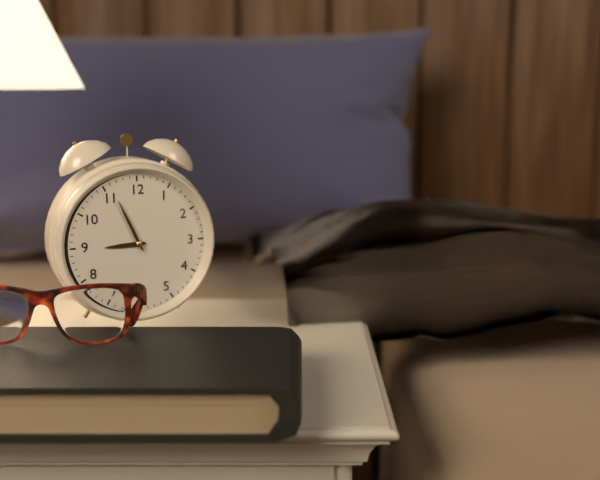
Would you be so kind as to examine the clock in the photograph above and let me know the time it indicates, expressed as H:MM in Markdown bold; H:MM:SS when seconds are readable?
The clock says **8:56**
